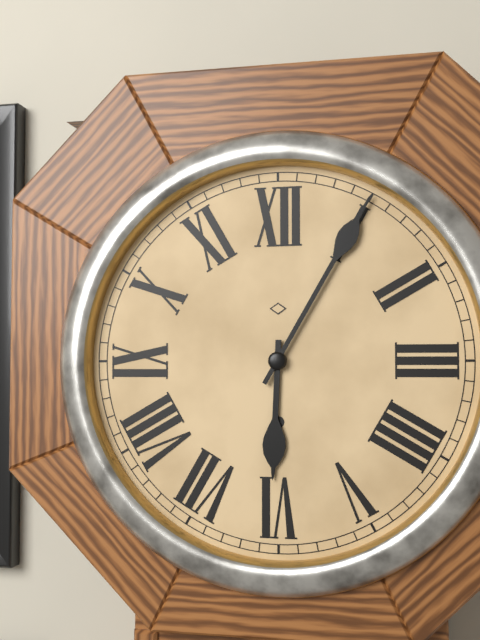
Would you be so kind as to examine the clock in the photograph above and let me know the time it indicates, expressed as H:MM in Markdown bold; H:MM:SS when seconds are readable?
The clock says **6:05**
